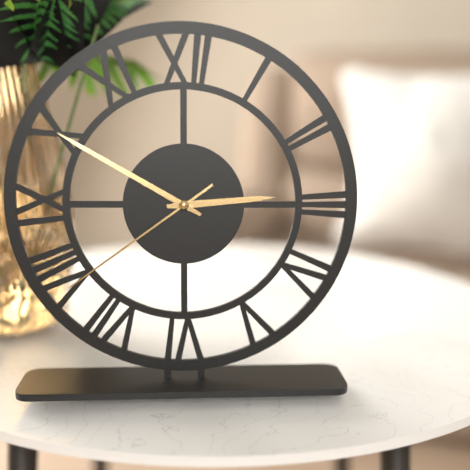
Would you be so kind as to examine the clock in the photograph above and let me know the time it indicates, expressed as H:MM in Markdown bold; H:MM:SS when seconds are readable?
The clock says **2:50:39**
